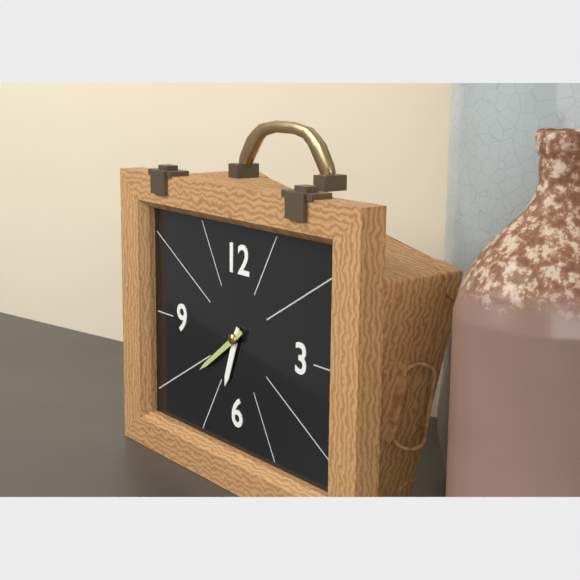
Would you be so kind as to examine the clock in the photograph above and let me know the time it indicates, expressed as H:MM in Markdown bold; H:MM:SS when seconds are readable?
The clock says **6:39**
